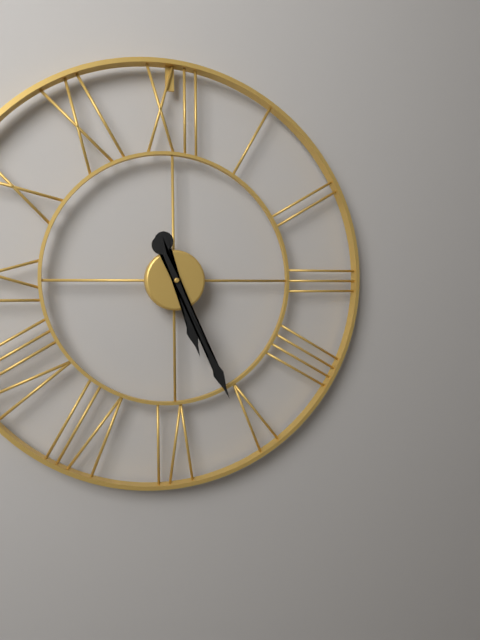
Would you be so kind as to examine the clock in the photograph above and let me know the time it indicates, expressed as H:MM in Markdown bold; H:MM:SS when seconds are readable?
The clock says **5:26**
